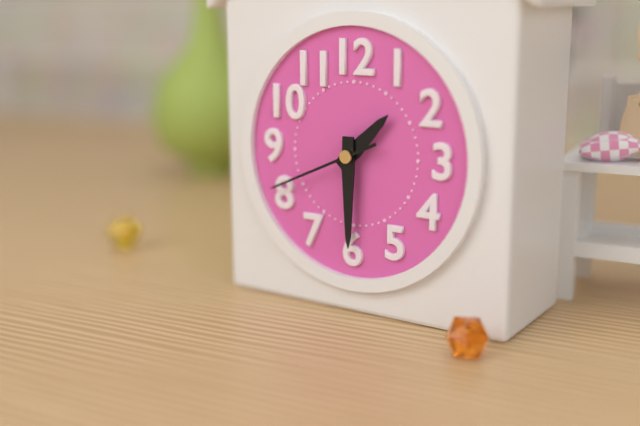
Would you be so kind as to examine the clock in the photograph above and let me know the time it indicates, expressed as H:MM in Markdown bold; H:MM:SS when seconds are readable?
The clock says **1:30:41**
